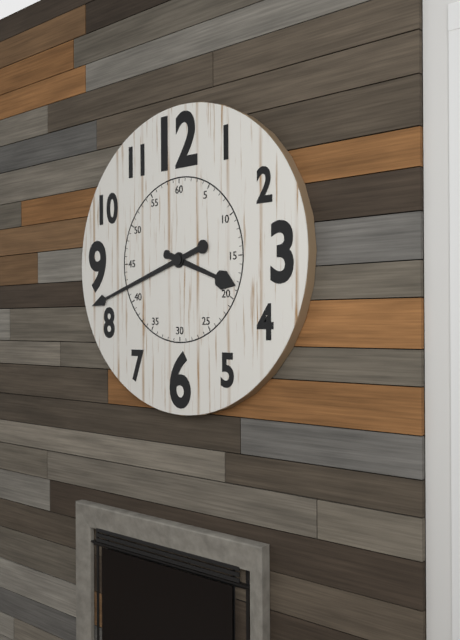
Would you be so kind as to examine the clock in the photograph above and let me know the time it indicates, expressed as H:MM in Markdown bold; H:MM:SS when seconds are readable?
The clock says **3:42**
